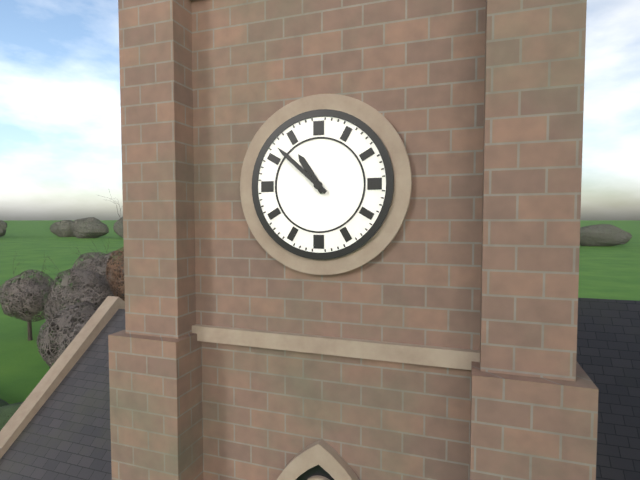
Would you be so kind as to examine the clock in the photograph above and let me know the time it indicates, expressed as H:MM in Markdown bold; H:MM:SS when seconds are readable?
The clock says **10:52**
